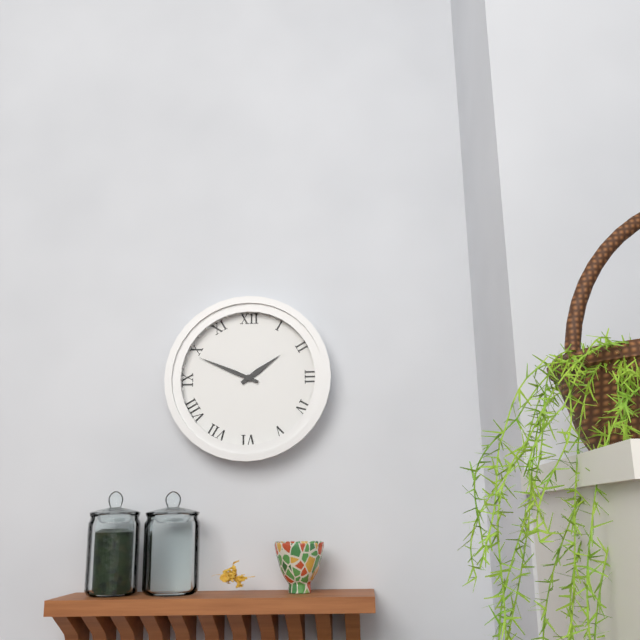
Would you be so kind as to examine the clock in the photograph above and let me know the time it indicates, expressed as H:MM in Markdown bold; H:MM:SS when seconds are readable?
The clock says **1:49**
